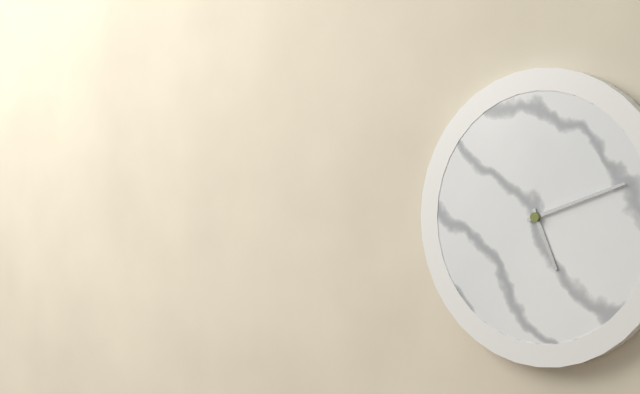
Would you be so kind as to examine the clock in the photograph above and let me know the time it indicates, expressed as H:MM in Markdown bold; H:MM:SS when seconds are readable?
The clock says **5:12**
